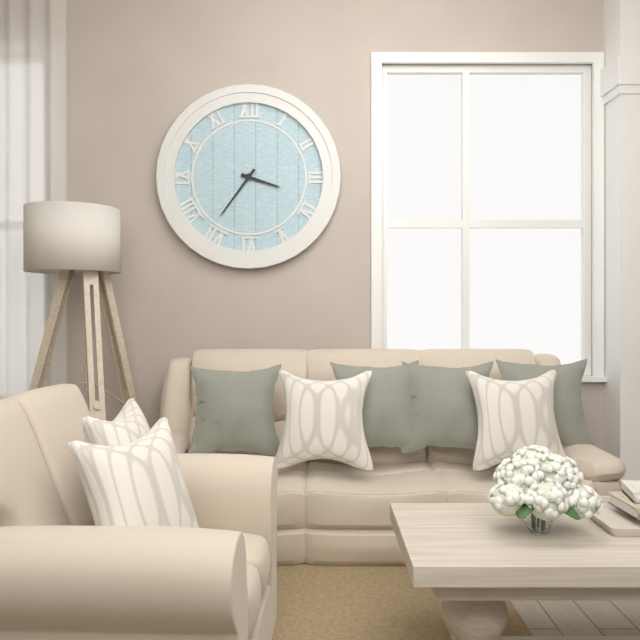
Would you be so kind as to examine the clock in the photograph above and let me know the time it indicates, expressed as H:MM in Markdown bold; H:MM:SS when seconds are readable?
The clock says **3:36**
